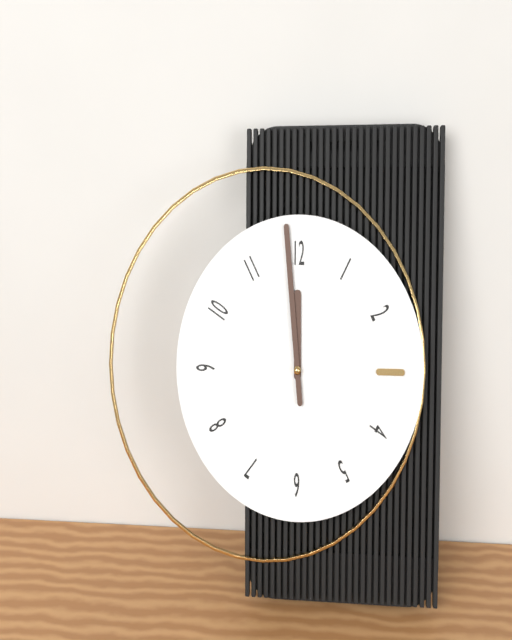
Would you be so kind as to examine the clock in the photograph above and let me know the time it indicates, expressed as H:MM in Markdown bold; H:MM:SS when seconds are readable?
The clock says **11:59**
